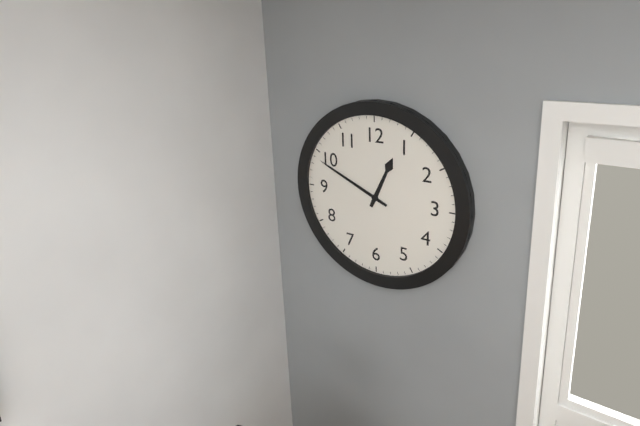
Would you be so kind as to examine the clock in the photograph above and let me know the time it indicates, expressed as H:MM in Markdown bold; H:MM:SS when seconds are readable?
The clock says **12:49**
